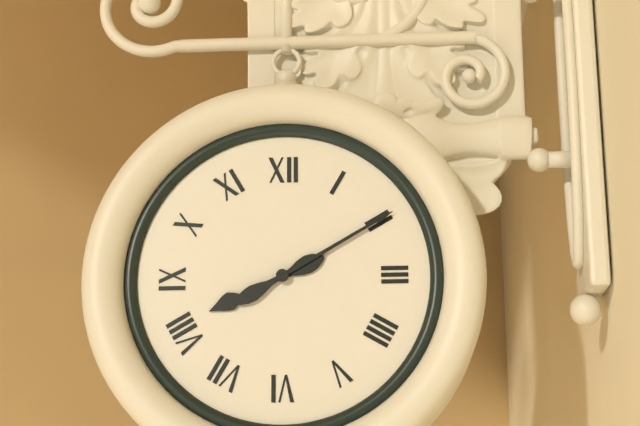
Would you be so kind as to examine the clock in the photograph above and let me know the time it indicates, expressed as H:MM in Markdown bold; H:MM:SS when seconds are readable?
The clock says **8:10**
